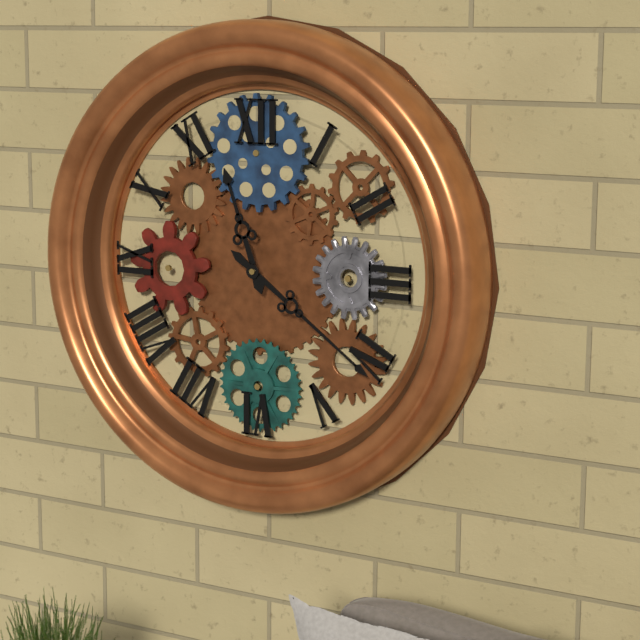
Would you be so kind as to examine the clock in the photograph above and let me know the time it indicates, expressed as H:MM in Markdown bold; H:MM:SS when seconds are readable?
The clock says **11:21**
